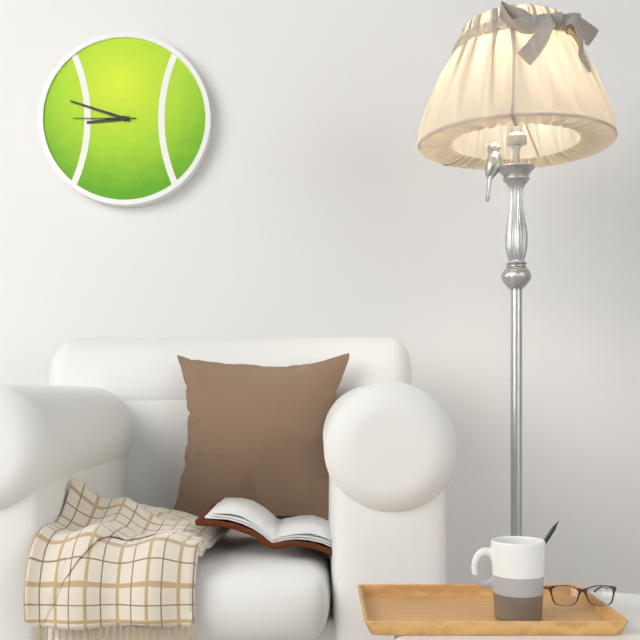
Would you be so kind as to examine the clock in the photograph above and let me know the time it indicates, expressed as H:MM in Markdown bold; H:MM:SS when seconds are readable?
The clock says **8:48:45**
